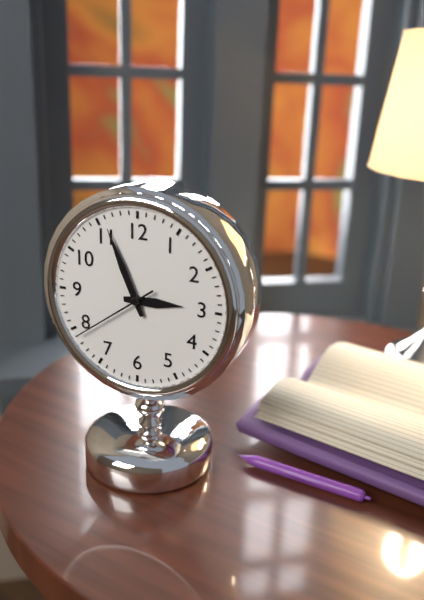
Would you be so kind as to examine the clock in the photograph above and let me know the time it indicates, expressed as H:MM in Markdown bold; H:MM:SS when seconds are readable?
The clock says **2:56:39**
